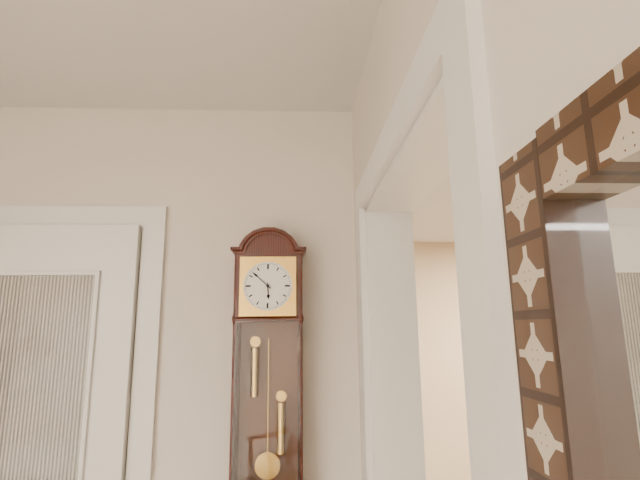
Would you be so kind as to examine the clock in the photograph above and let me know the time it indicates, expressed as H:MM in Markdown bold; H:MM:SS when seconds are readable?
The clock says **5:52**
